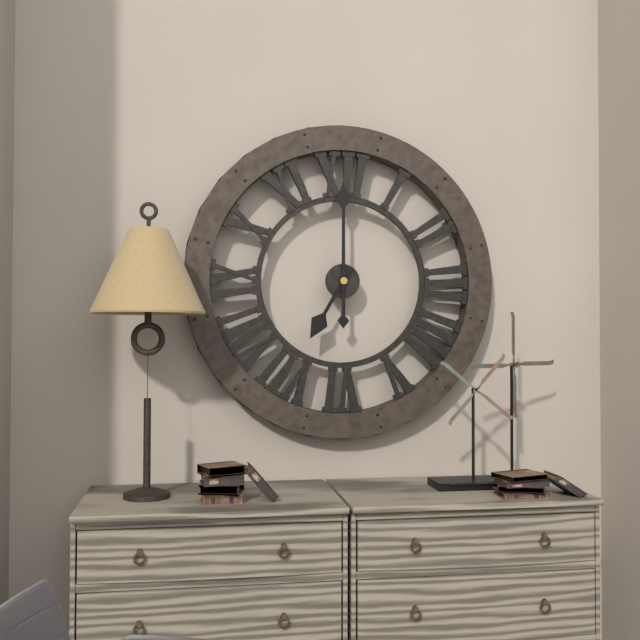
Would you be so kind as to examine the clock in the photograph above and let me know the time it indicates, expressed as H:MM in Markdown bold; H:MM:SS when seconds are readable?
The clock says **7:00**
